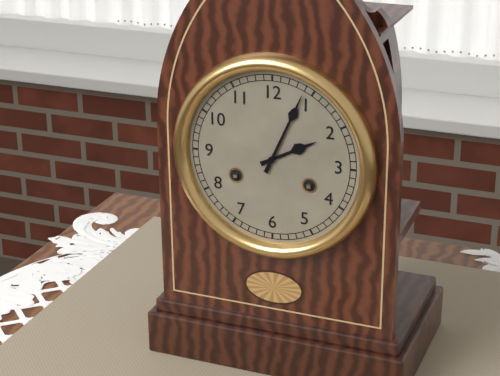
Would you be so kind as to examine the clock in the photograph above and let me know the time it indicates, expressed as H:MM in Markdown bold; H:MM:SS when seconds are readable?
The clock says **2:04**
